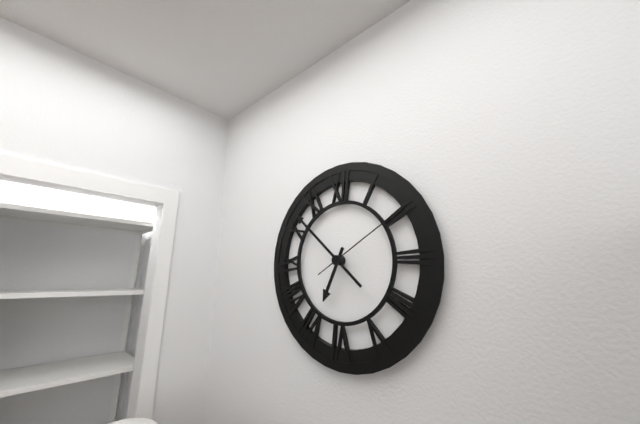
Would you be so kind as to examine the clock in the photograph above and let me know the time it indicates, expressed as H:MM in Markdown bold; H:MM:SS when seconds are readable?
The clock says **6:52:10**
